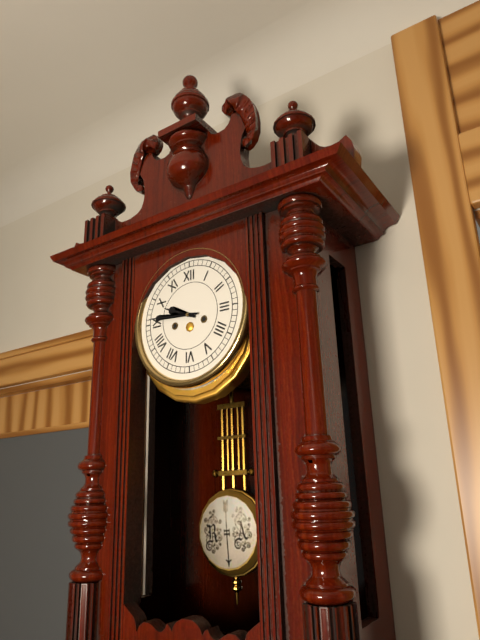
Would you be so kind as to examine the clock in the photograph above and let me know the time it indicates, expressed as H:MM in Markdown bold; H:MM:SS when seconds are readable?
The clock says **9:46**
